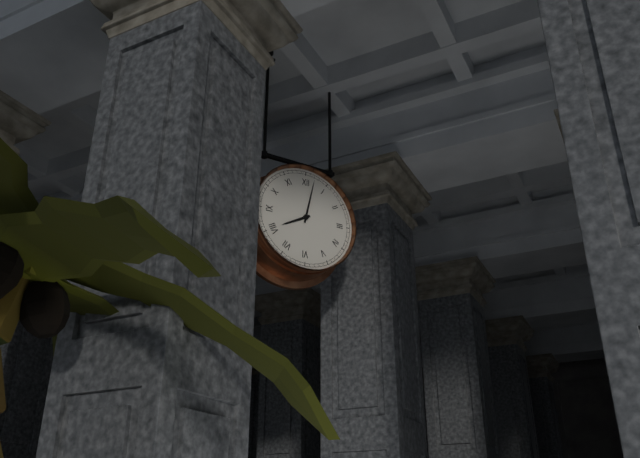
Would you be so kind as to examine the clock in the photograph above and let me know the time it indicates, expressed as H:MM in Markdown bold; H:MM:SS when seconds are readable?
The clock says **8:02**
